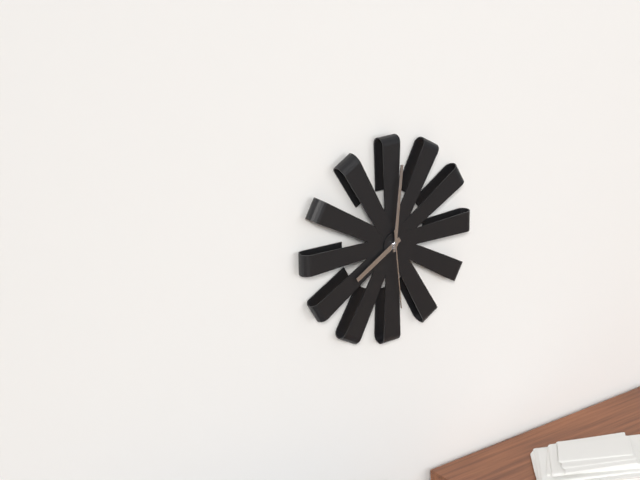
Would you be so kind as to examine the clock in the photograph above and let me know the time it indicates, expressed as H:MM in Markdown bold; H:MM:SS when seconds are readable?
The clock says **8:01:29**
